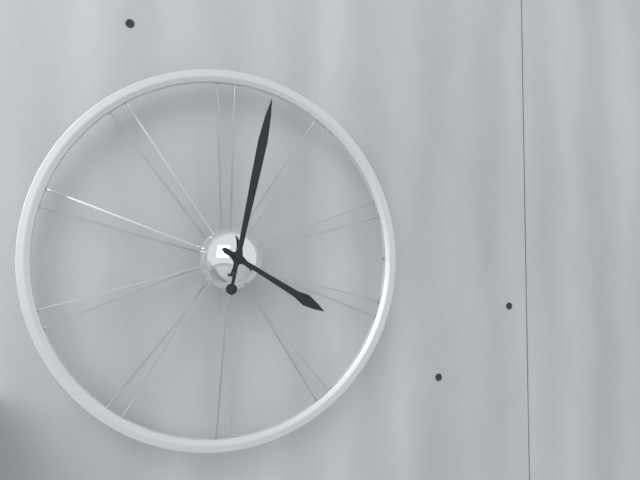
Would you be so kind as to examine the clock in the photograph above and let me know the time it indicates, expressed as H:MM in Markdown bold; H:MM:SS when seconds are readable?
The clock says **4:02**
